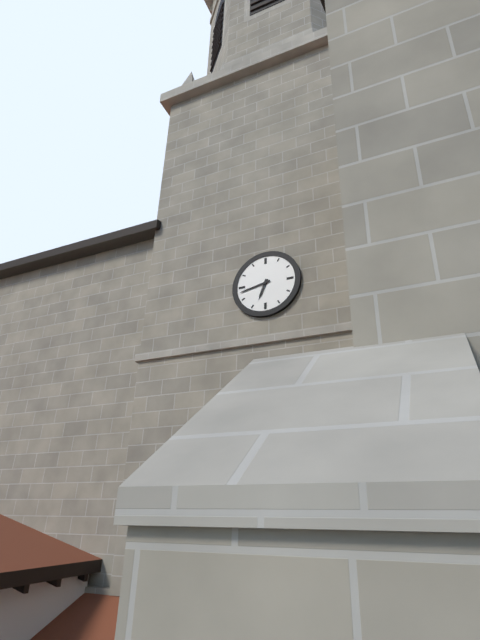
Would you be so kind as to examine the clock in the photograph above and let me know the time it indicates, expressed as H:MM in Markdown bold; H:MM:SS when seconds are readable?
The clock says **6:43**
